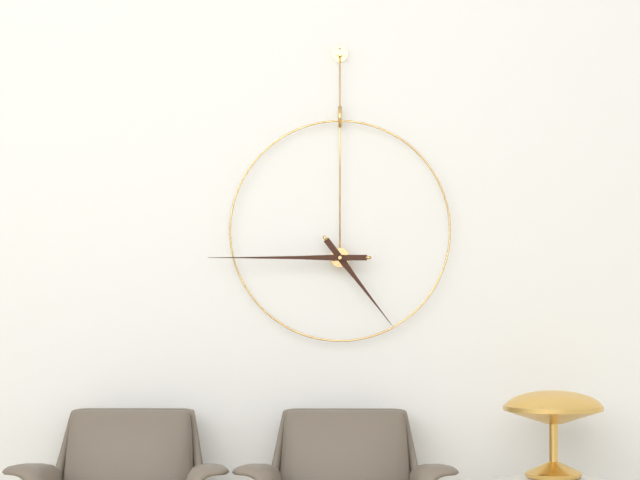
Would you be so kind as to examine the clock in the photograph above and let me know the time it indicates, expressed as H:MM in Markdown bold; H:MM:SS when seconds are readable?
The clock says **4:45**
